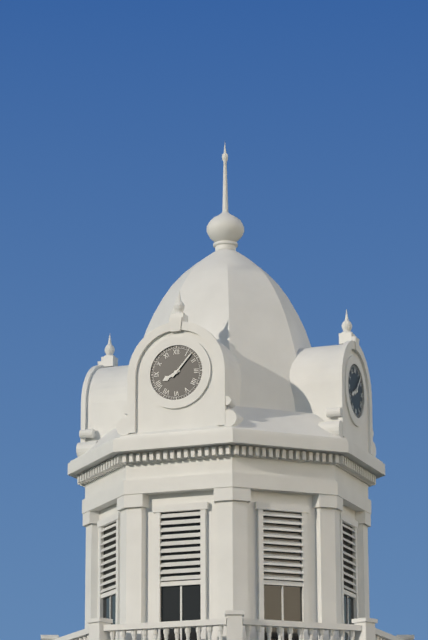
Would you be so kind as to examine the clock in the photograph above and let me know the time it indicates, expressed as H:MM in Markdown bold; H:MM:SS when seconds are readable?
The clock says **8:07**
